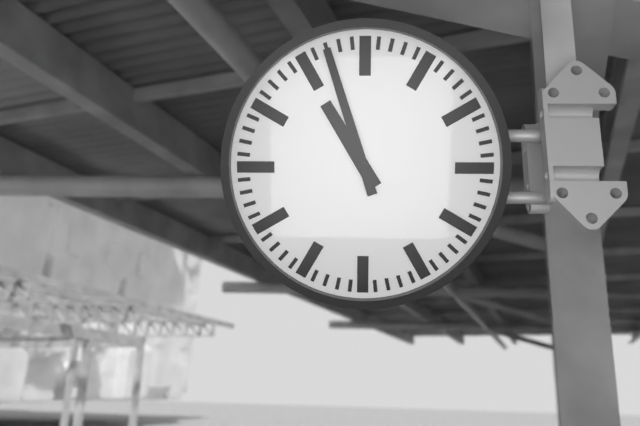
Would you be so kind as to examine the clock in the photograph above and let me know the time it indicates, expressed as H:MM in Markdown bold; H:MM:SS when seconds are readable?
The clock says **10:57**
